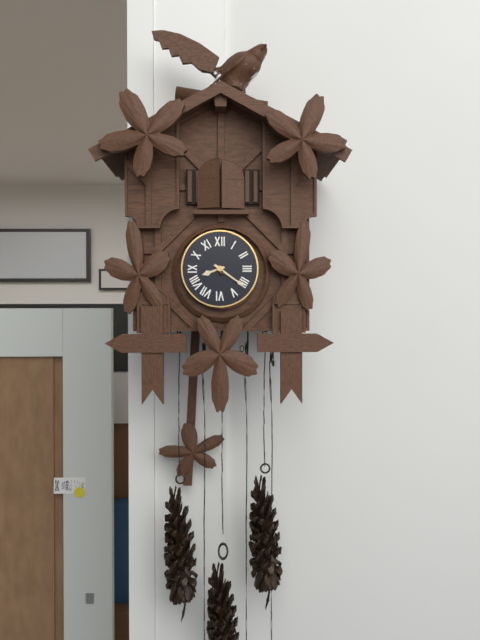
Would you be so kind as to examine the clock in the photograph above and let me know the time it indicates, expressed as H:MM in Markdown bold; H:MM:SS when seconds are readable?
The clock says **8:21**
